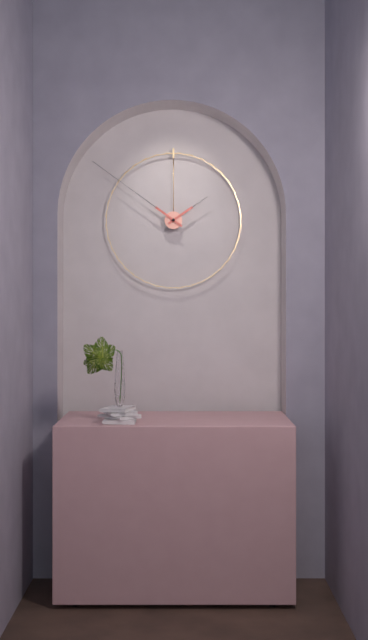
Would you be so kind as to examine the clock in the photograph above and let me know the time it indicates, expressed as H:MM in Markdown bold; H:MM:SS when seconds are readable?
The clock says **1:51**
